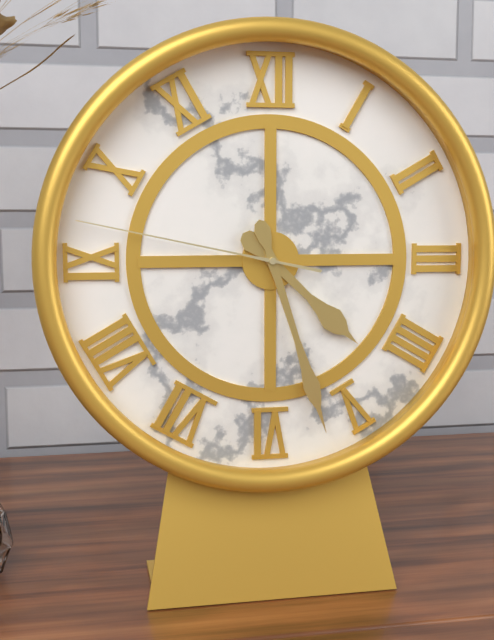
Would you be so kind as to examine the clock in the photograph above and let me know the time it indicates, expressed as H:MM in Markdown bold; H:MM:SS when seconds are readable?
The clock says **4:27:47**
